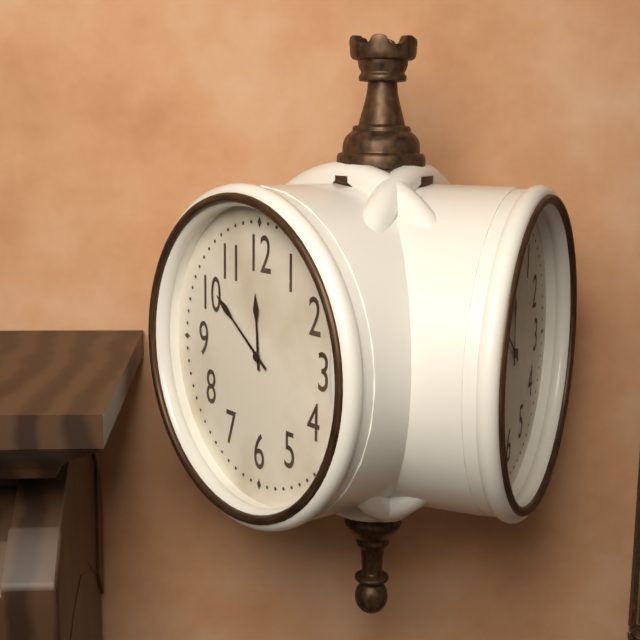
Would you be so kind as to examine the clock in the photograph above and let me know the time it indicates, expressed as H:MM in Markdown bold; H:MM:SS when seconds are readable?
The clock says **11:51**
